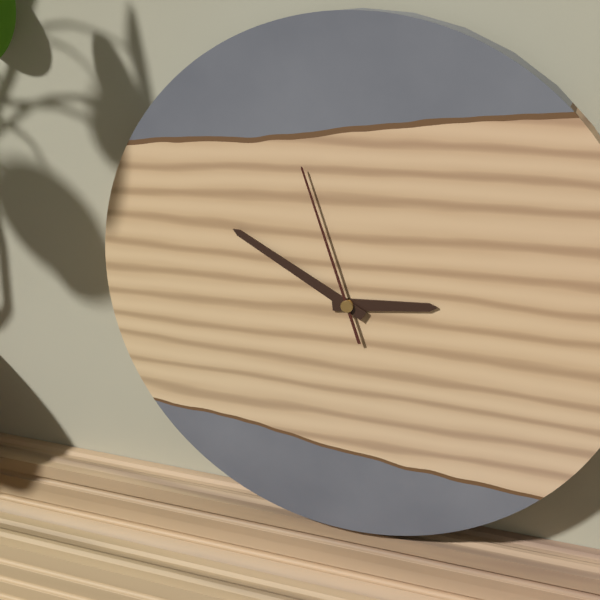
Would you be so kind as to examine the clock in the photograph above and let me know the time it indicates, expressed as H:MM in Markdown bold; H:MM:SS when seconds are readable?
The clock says **2:50:57**
